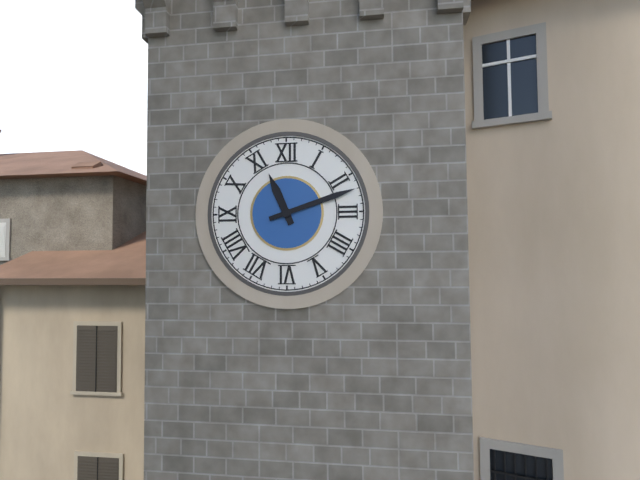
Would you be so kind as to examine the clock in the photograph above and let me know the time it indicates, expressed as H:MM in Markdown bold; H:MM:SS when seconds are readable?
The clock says **11:12**
